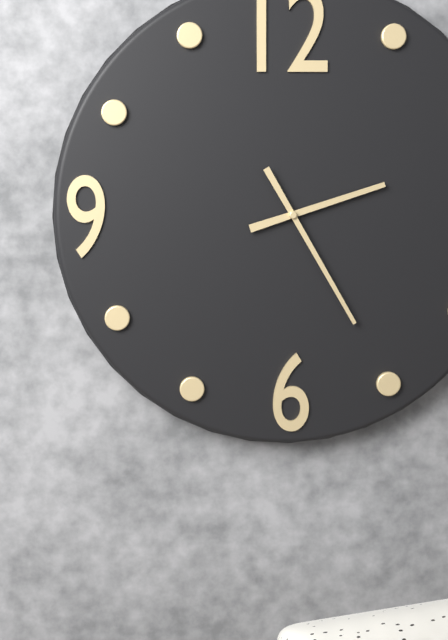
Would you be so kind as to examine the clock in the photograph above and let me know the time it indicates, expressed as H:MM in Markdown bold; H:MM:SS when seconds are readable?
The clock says **2:25**
